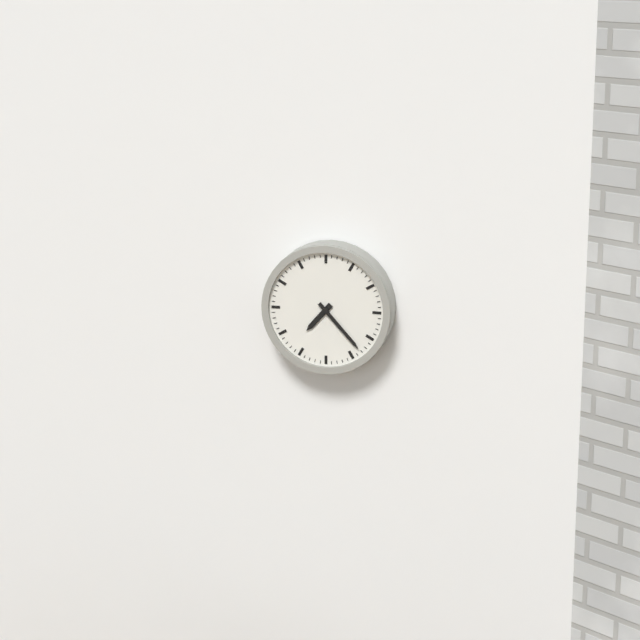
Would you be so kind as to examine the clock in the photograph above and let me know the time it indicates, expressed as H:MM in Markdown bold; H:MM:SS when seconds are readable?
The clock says **7:23**
